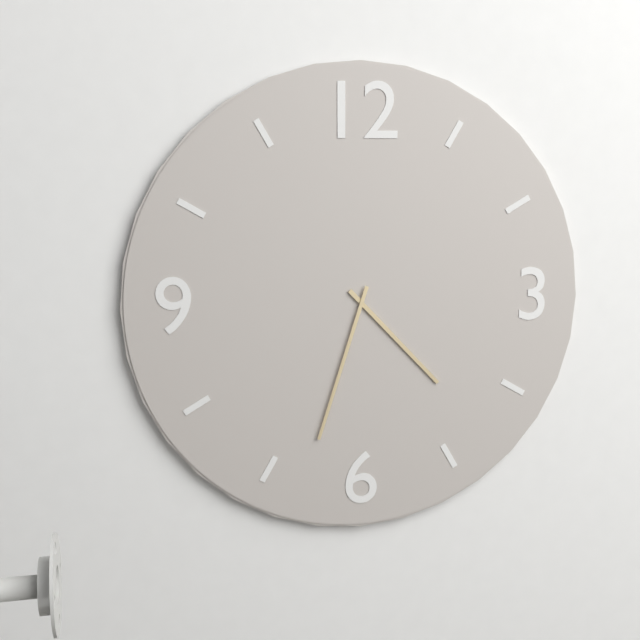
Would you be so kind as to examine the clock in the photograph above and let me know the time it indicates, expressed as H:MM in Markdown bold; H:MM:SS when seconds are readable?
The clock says **4:33**
